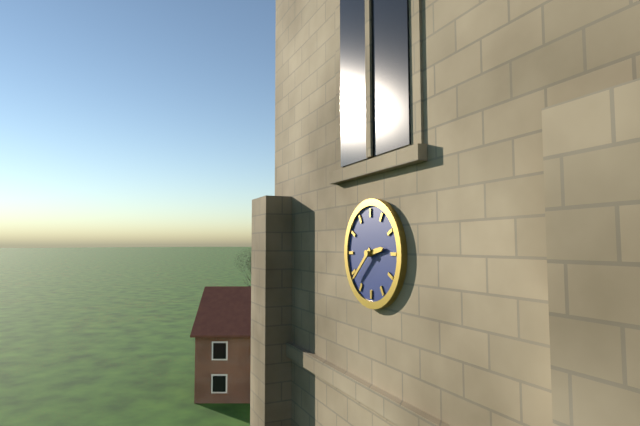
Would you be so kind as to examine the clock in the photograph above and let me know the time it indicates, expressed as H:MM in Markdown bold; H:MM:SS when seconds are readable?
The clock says **2:38**
